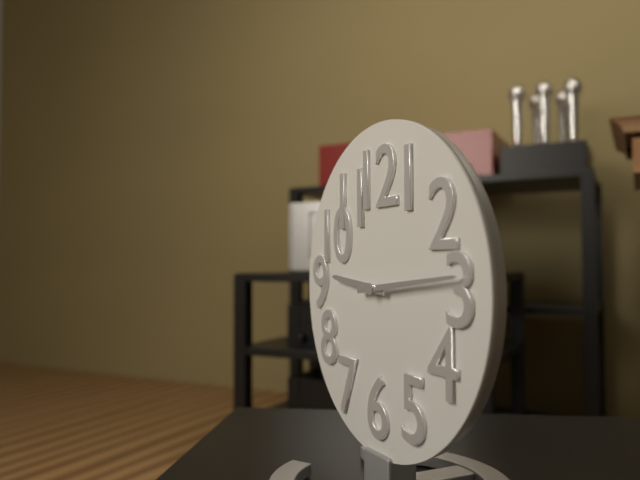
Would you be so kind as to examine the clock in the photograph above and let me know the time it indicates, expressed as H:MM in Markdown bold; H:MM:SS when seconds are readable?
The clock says **9:14**
